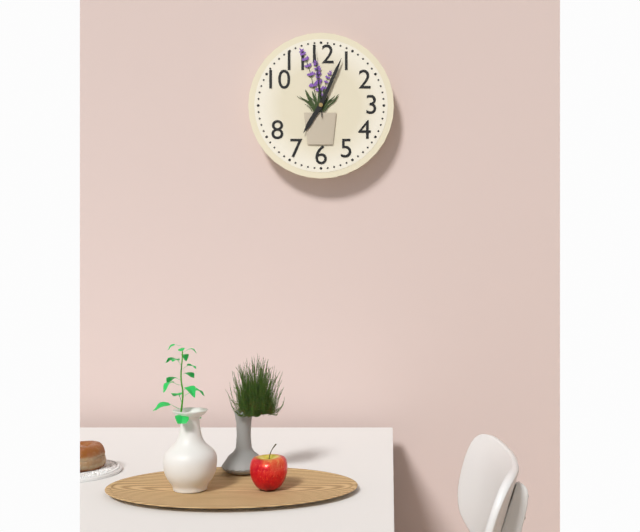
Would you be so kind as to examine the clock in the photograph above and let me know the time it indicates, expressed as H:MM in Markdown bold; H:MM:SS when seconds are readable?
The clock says **7:04:59**
